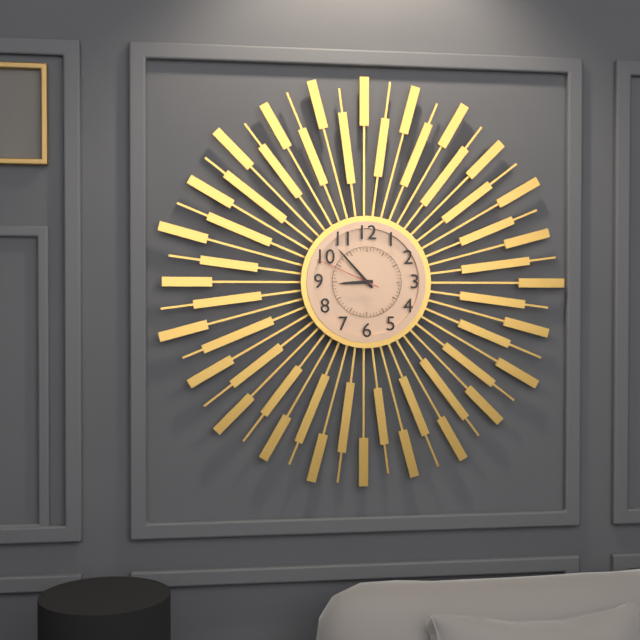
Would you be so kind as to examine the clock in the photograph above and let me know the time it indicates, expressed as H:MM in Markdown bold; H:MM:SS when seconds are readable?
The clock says **8:53:49**
